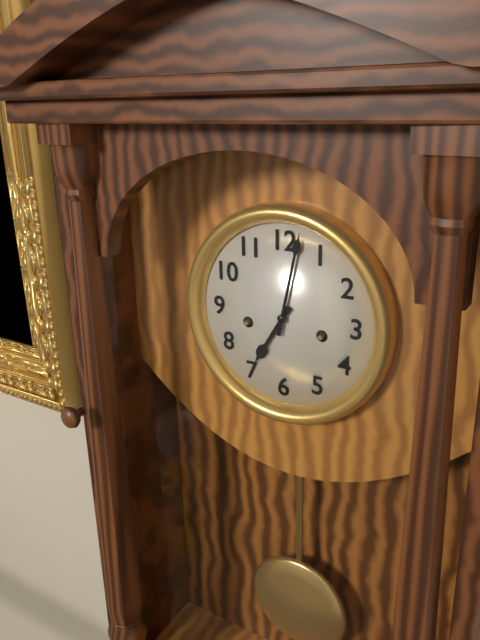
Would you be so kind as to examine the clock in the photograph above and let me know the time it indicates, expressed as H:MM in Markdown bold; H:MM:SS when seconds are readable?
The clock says **7:02**
